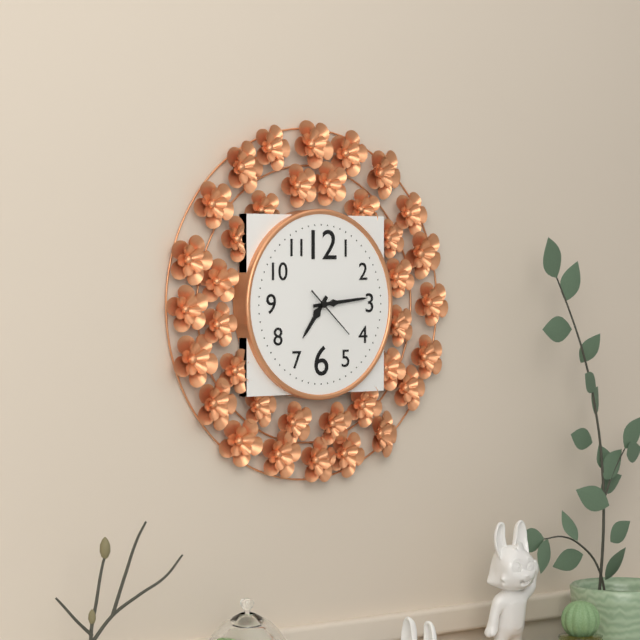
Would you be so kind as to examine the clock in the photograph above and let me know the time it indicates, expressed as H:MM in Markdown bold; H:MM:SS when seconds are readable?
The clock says **7:14**
